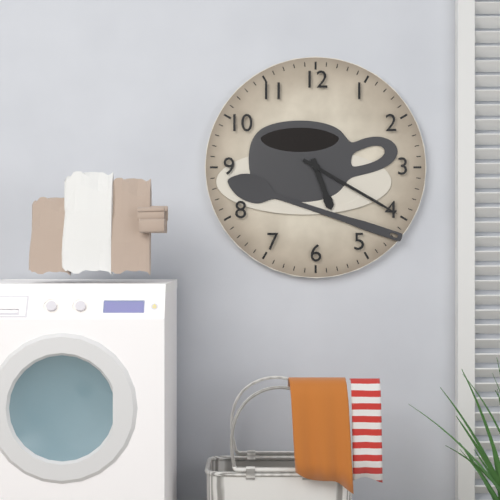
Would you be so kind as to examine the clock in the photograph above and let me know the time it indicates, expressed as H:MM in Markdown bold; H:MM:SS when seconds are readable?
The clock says **5:20**
